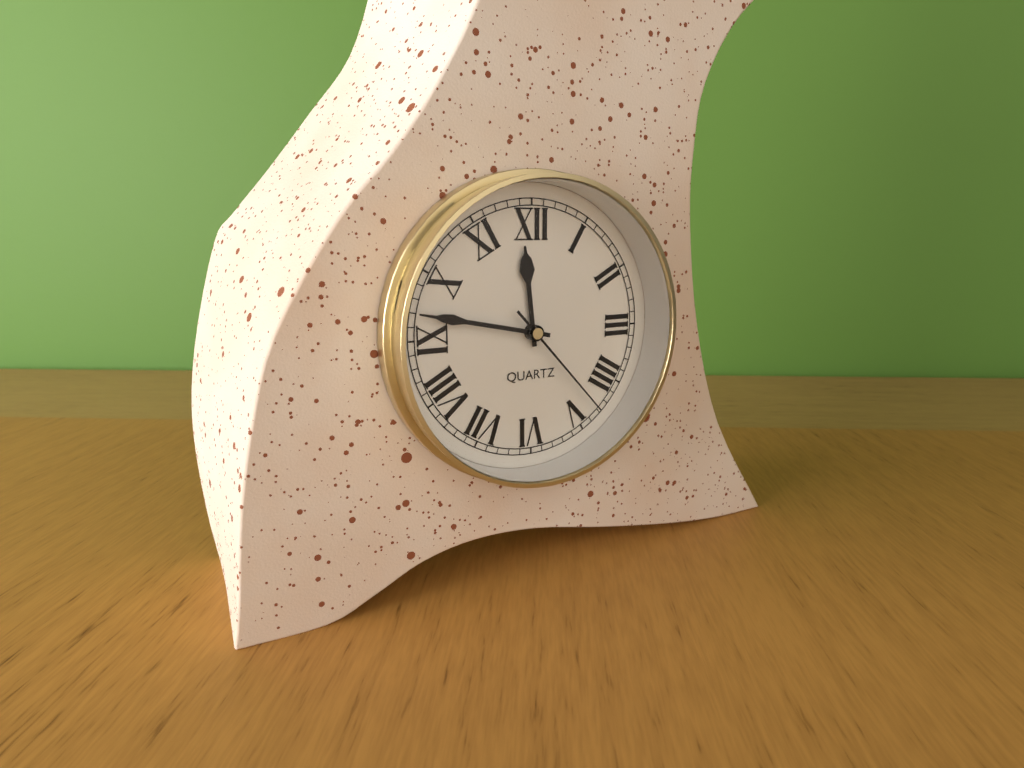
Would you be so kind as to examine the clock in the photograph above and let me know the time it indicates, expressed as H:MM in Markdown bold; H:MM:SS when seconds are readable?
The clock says **11:47:23**
